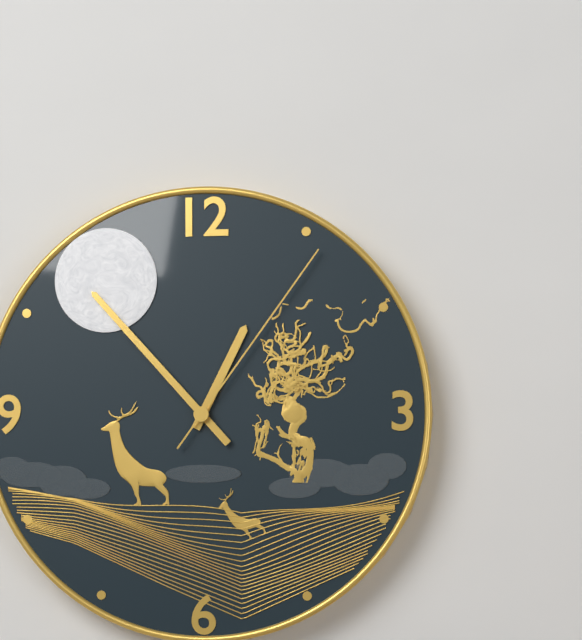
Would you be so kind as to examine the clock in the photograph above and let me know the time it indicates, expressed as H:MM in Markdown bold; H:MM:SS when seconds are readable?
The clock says **12:53:06**
